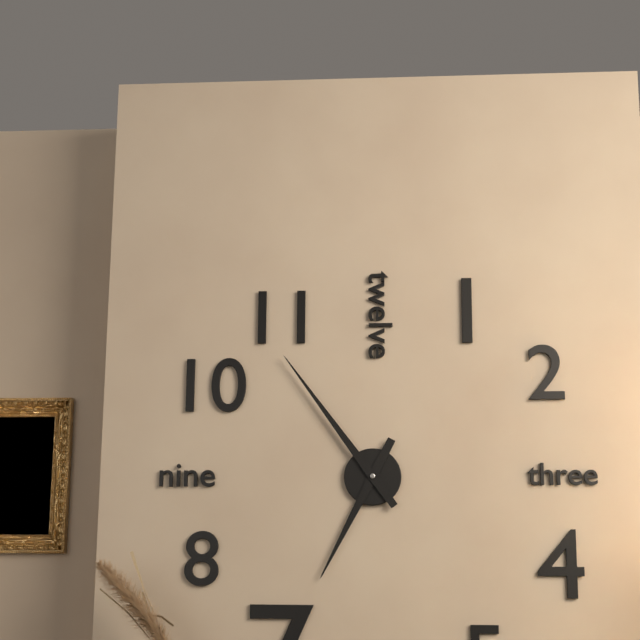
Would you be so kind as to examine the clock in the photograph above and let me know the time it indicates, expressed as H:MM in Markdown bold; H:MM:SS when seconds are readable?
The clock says **6:54**
